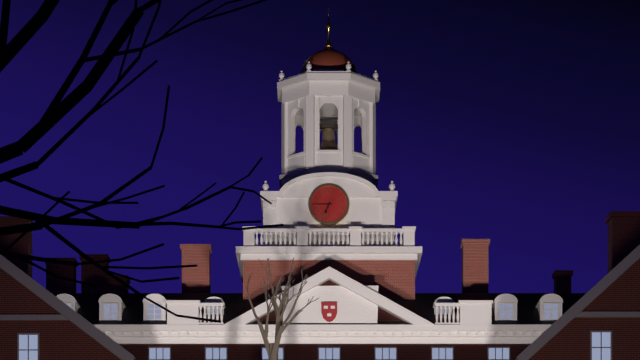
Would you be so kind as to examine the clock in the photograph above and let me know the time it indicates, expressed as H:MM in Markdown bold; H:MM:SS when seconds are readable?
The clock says **6:45**
